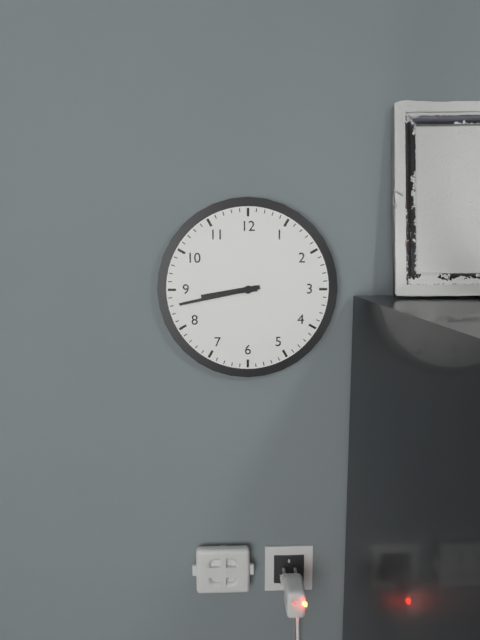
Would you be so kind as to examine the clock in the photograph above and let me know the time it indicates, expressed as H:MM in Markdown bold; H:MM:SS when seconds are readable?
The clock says **8:43**
